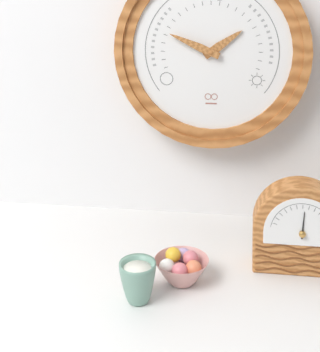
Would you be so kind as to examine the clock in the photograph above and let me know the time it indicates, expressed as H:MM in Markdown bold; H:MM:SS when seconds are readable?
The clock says **1:49**
